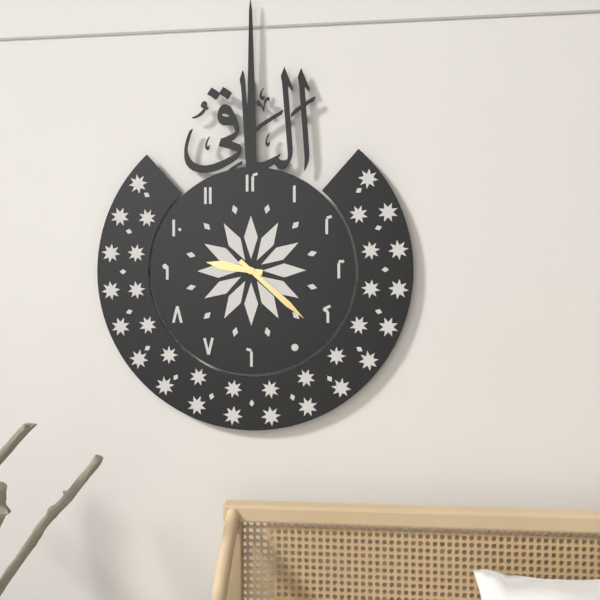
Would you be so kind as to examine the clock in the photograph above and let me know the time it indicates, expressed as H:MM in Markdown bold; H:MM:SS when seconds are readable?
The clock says **9:22**
